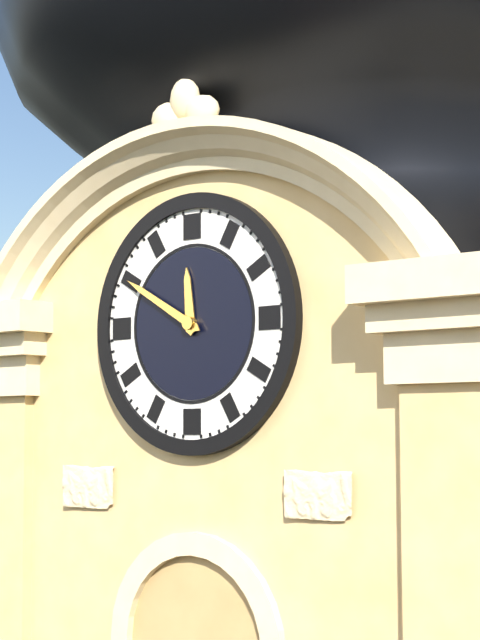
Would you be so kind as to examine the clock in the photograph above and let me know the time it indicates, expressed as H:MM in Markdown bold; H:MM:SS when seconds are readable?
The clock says **11:50**
